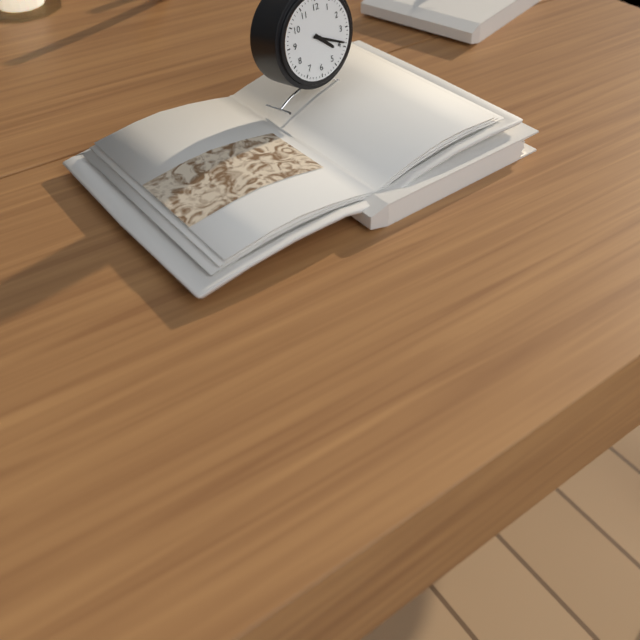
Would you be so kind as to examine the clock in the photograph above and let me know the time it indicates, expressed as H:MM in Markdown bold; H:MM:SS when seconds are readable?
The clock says **4:19**
